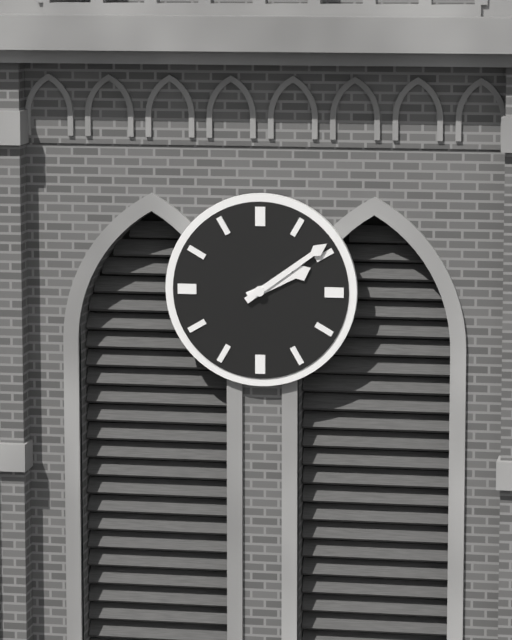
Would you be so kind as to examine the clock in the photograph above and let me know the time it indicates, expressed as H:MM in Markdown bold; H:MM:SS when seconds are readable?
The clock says **2:09**
